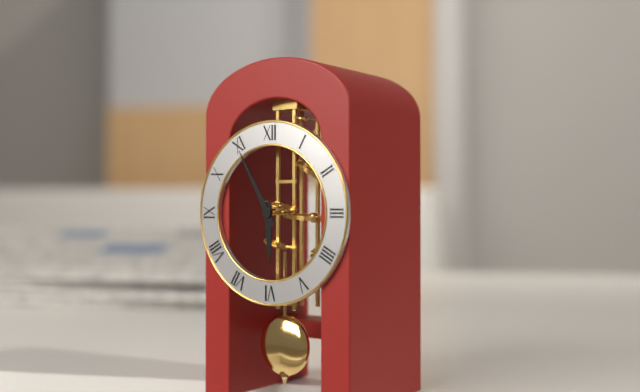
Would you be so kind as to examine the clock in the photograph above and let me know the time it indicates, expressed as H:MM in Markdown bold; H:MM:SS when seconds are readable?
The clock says **5:55**
